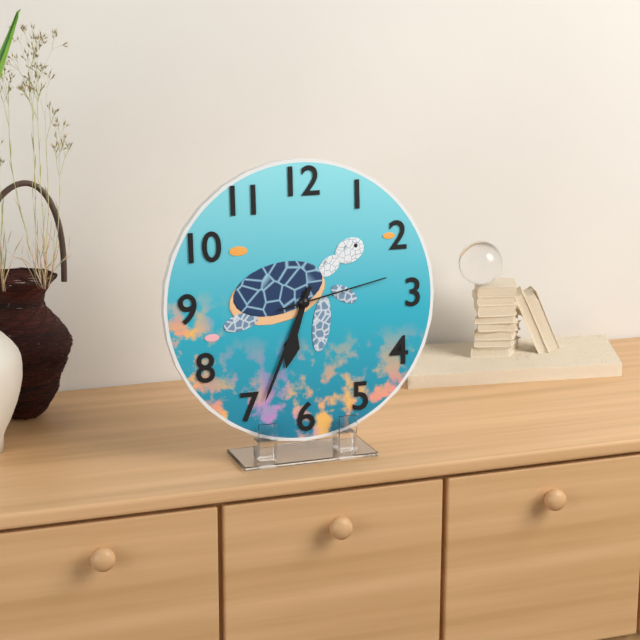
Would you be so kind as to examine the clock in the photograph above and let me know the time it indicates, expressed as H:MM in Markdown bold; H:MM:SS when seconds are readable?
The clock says **6:34:13**
